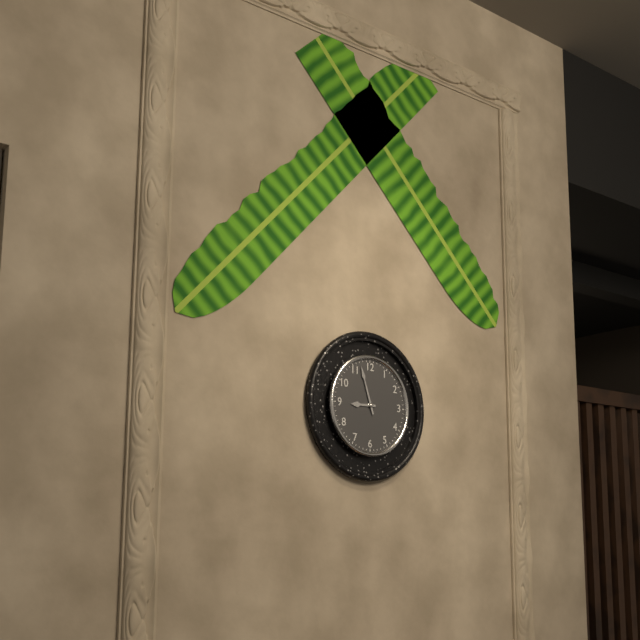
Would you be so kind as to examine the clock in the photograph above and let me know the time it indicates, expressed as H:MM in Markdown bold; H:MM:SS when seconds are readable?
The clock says **8:57**
